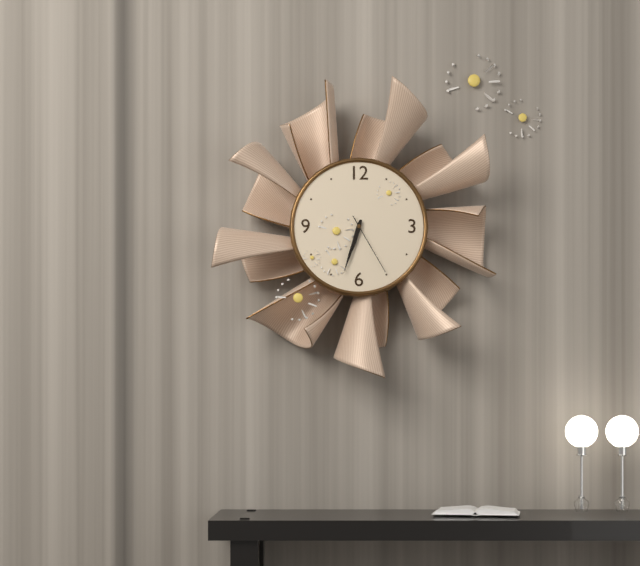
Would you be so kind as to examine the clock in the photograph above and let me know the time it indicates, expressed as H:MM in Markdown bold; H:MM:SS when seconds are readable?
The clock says **6:33:25**
